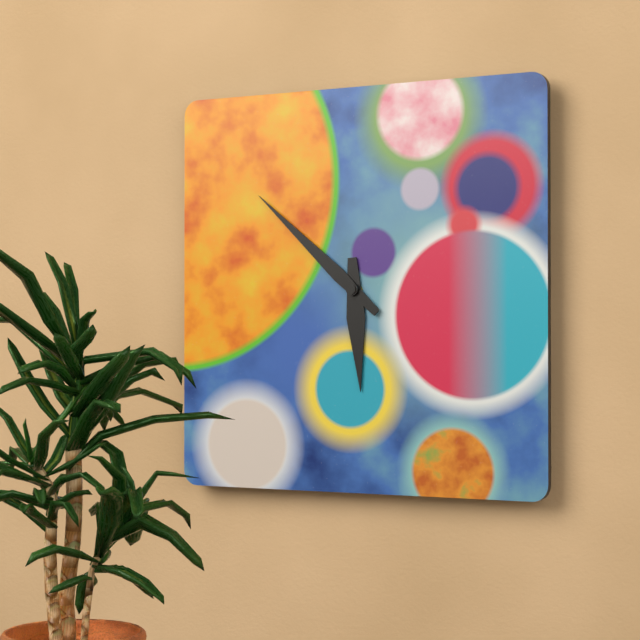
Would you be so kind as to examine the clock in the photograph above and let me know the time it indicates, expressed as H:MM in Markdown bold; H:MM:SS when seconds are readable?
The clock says **5:52**
